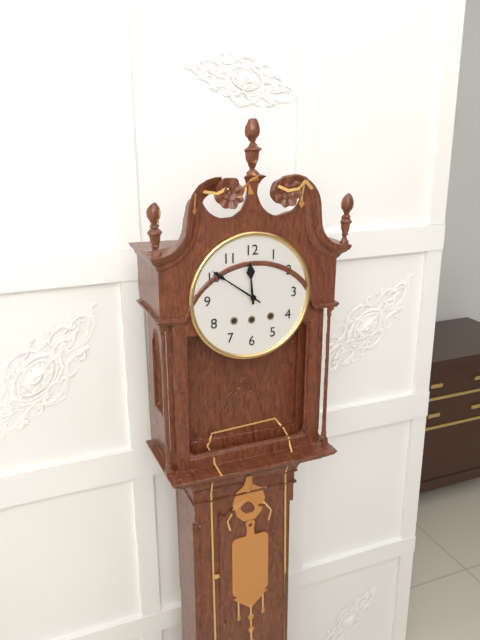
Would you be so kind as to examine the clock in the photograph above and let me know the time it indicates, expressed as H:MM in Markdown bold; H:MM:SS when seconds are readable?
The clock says **11:51**
